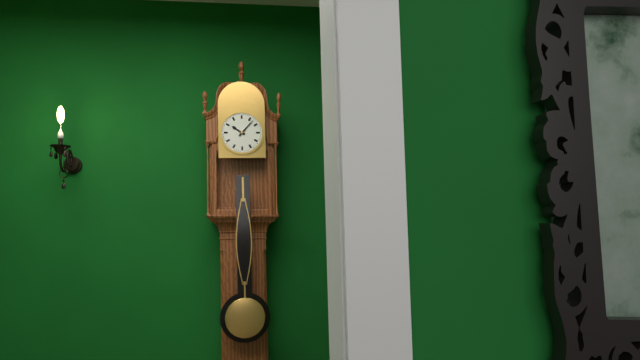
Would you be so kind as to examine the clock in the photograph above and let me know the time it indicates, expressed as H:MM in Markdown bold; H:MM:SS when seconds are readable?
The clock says **10:07**
